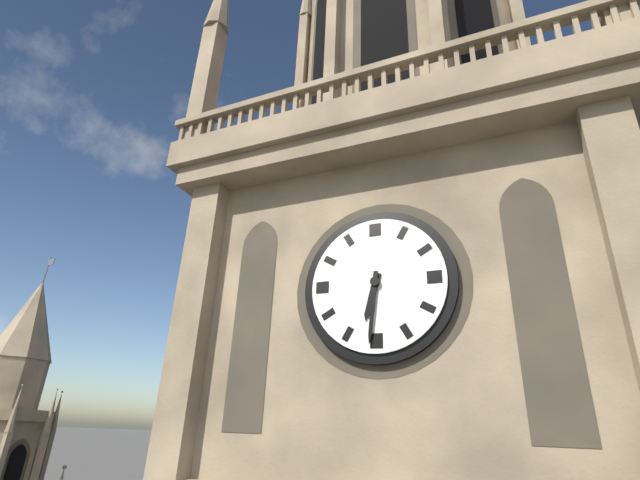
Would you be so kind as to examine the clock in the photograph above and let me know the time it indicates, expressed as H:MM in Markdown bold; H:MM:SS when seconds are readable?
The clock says **6:31**
